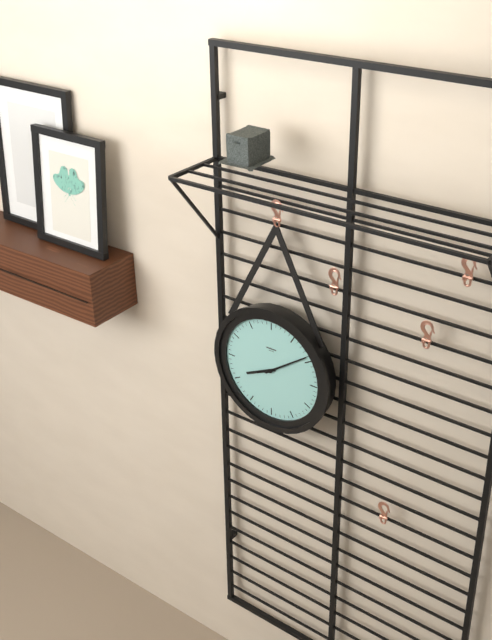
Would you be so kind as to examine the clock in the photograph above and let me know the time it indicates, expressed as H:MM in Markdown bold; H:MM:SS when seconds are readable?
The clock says **8:09**
